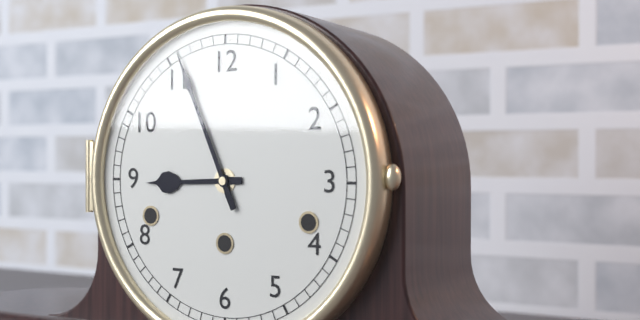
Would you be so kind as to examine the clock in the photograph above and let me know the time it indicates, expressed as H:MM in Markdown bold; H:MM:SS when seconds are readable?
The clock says **8:56**
